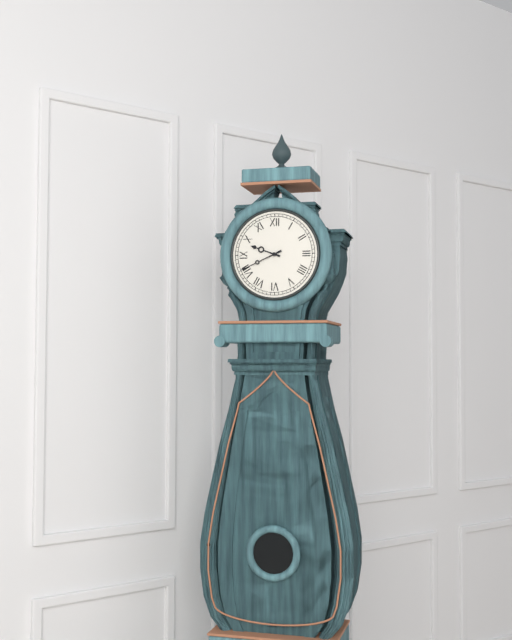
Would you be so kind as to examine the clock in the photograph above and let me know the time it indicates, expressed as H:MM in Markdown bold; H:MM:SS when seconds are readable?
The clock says **9:41**
